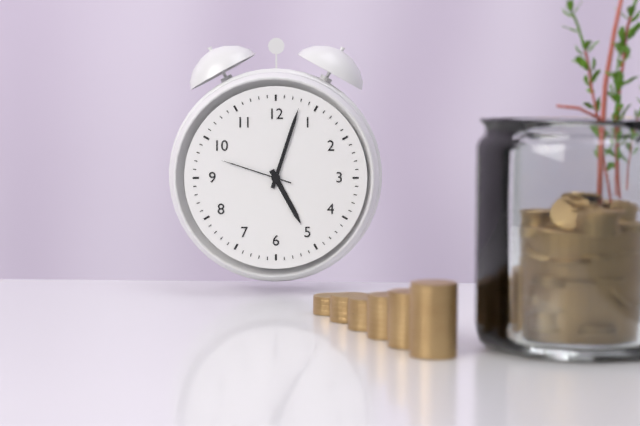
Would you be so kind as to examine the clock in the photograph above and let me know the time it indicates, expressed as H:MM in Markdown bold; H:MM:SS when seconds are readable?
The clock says **5:03:48**
